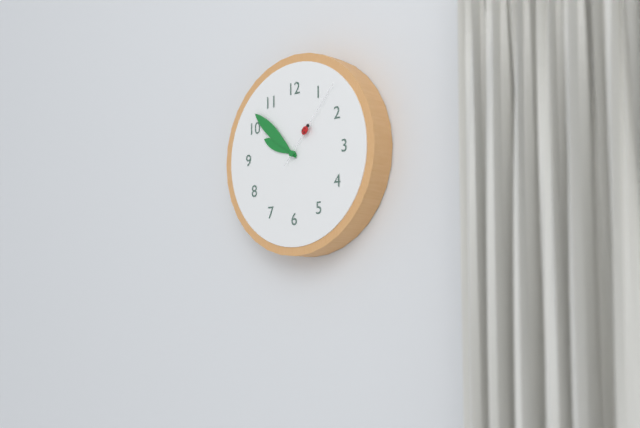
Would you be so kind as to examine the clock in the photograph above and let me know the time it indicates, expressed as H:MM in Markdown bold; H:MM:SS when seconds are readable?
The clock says **9:52:07**
